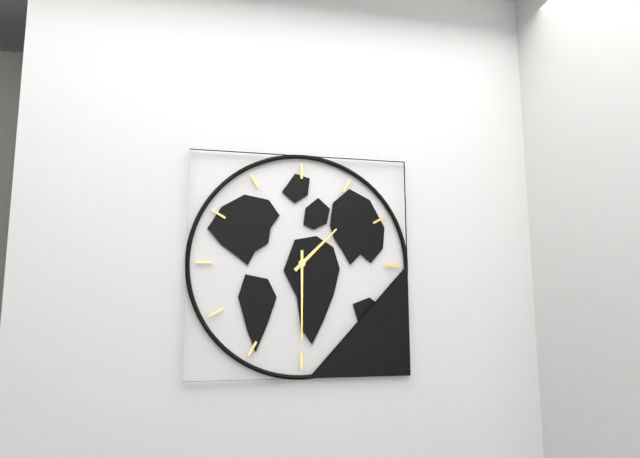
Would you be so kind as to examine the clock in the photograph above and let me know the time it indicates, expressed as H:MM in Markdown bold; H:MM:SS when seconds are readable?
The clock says **1:30**
